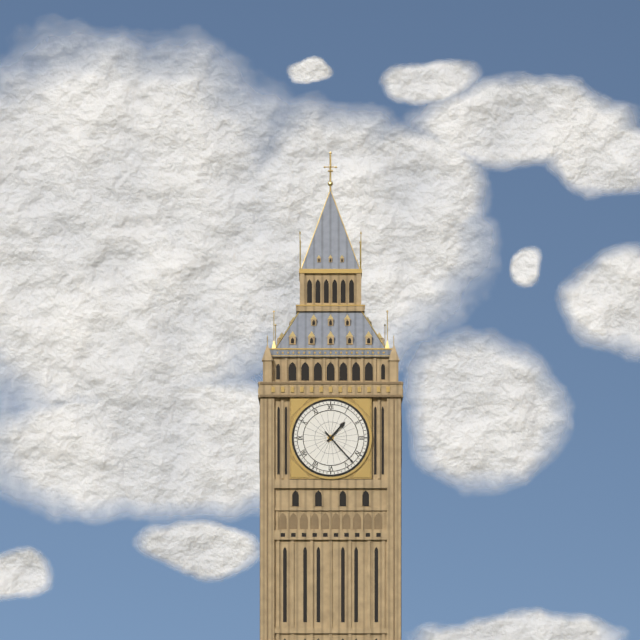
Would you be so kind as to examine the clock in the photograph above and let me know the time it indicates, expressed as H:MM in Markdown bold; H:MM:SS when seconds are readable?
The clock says **1:23**
